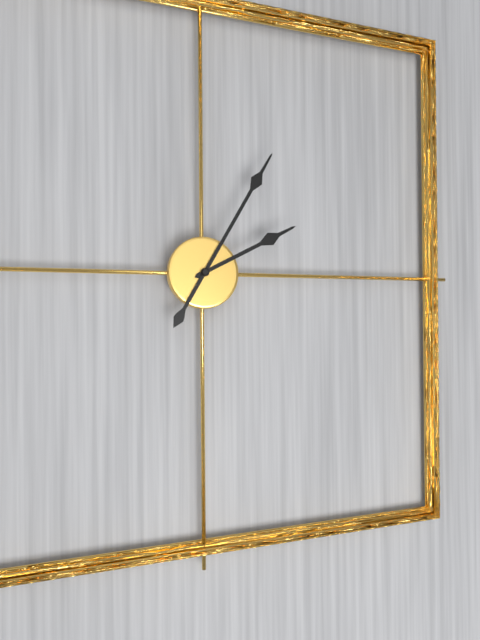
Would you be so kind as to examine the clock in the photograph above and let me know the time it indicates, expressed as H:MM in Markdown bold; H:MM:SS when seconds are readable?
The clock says **2:05**
